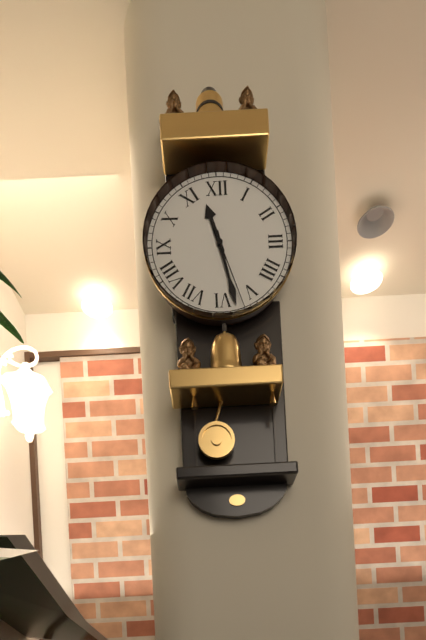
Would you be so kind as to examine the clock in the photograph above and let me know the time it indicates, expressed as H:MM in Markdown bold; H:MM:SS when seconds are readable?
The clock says **11:28:27**
